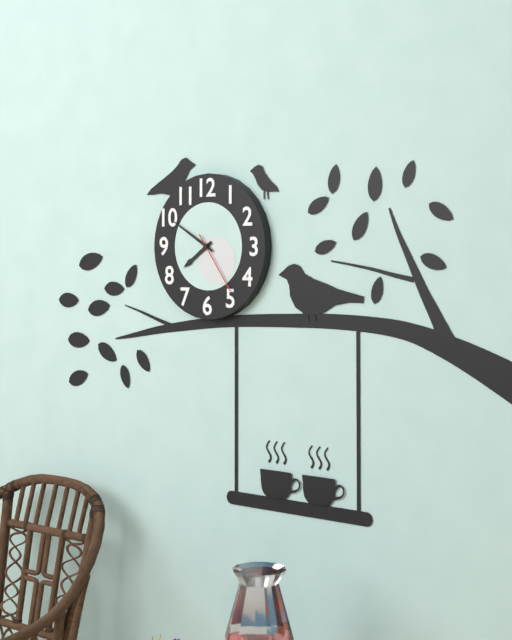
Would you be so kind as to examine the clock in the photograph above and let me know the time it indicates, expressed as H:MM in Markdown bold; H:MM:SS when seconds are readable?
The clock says **7:50:24**
